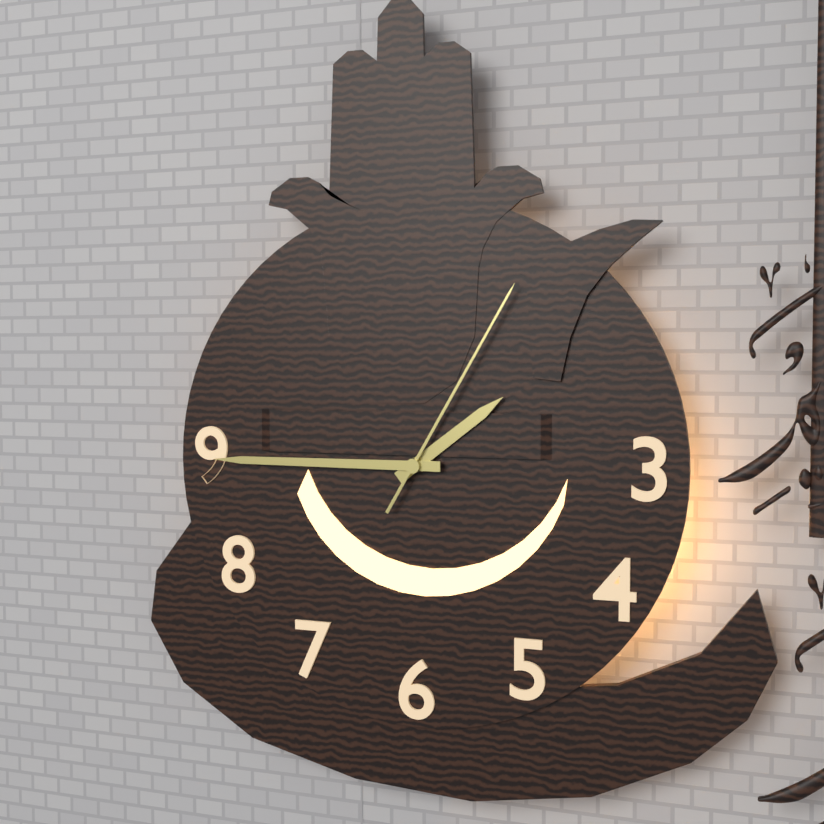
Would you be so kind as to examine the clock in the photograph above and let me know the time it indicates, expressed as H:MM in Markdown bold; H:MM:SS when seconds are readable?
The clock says **1:45:05**
